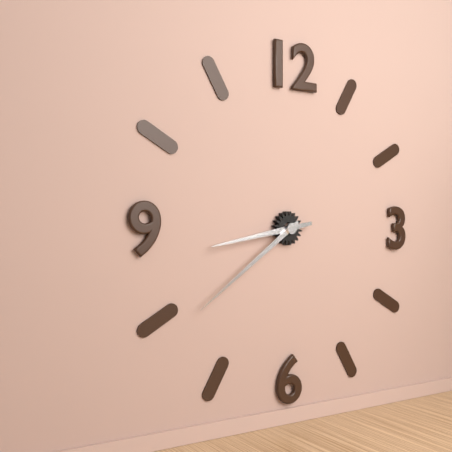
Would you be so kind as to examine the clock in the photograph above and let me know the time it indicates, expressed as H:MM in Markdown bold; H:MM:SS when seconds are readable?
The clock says **8:39**
